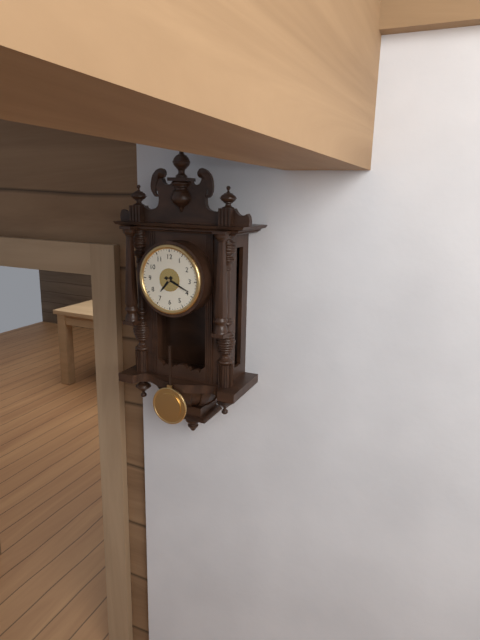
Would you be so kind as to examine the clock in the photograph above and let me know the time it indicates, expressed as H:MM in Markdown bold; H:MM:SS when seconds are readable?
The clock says **7:19**
